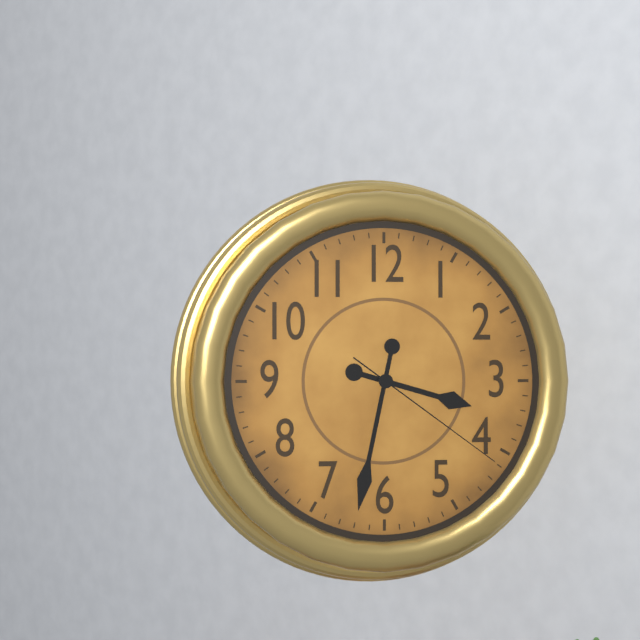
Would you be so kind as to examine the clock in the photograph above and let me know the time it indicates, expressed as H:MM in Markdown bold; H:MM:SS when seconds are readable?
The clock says **3:32:21**
